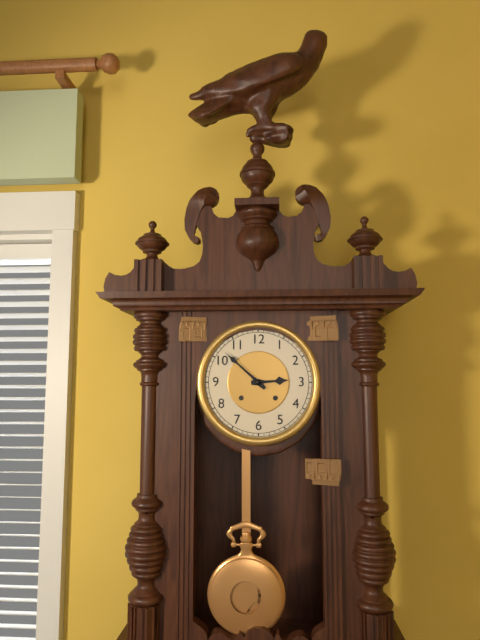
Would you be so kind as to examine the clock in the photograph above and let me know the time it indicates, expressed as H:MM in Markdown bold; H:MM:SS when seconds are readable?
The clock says **2:52**
